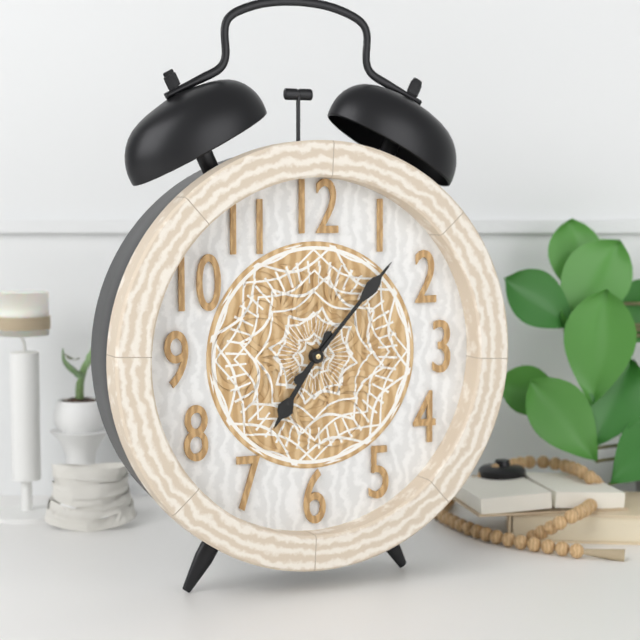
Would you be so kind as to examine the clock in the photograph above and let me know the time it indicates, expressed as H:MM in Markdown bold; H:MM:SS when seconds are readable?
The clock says **7:07**
